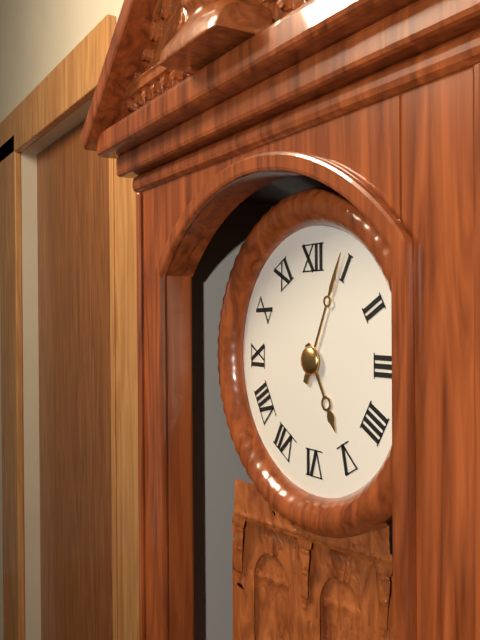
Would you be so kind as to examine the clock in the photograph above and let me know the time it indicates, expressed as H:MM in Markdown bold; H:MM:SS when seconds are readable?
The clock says **5:04**
